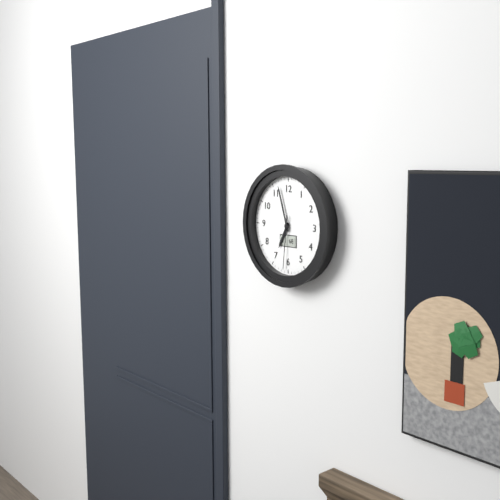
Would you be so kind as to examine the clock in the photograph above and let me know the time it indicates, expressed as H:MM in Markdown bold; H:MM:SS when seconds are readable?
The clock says **6:57:31**
